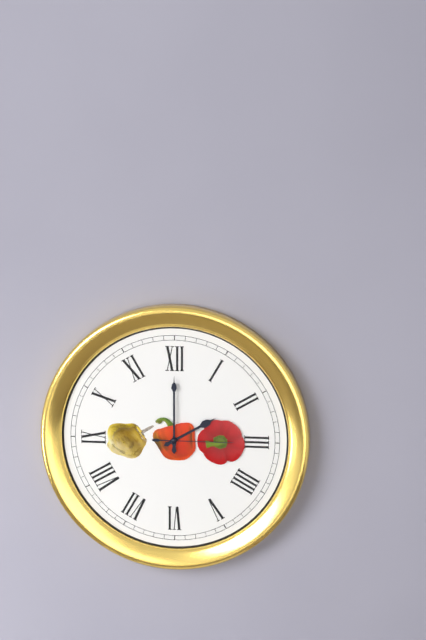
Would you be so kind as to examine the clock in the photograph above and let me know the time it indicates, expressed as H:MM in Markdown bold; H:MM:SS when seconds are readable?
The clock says **2:00:15**
